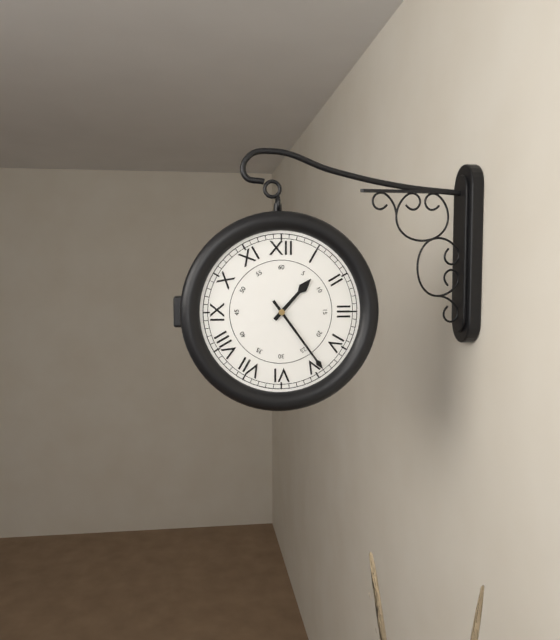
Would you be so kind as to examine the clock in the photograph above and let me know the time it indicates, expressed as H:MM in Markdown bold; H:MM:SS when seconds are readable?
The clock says **1:24**
